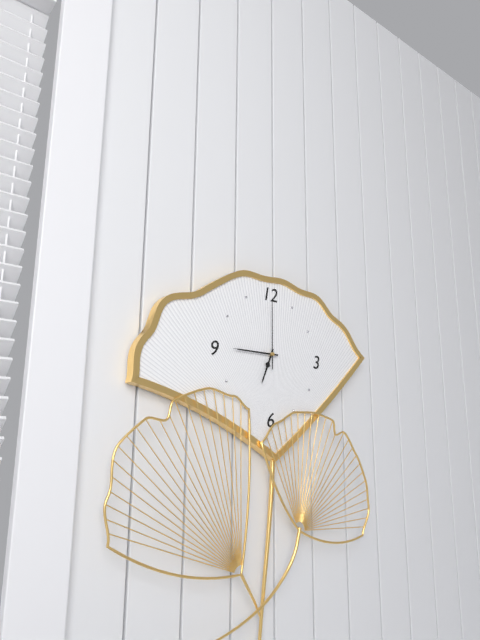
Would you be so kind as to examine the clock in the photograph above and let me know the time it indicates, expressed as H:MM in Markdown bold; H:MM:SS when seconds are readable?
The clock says **6:45:00**
